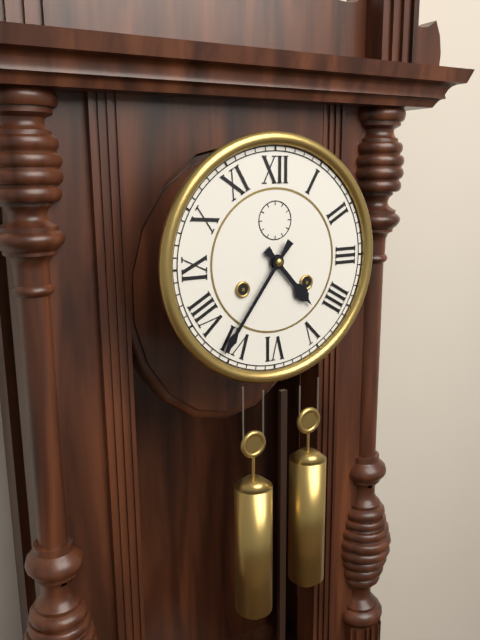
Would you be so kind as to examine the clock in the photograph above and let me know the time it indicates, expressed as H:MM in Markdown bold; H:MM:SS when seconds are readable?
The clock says **4:36**
